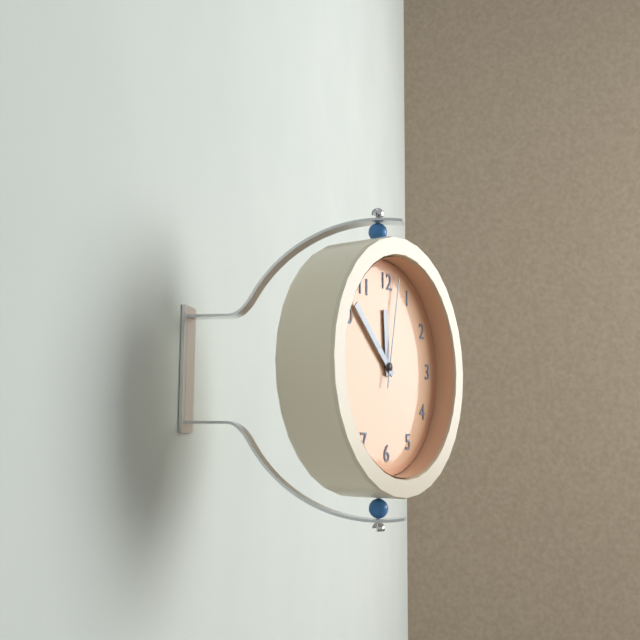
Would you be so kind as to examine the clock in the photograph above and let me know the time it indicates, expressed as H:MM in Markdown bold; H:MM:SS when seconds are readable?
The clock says **11:52:02**
